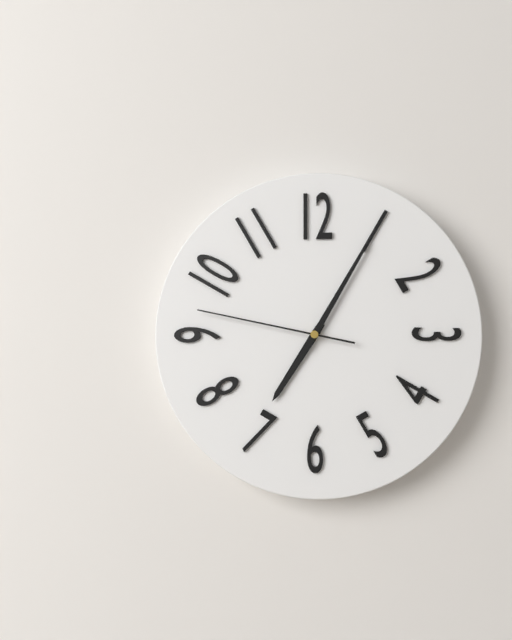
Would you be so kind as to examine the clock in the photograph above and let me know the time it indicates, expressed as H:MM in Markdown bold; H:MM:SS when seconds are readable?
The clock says **7:05:47**
